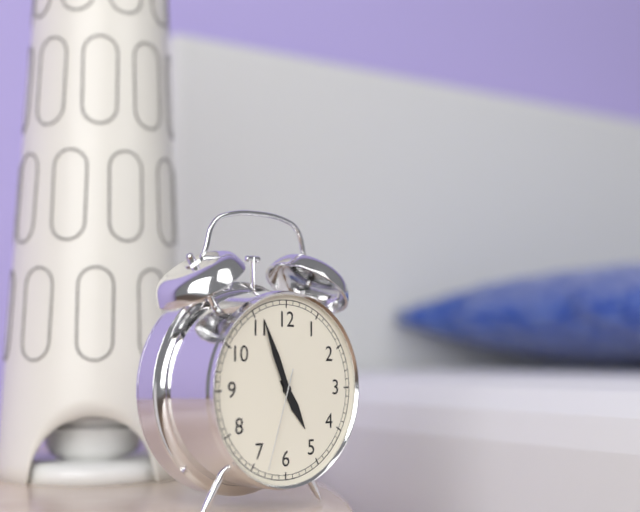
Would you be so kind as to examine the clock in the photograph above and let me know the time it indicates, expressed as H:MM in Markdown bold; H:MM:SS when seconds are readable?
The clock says **4:56:33**
